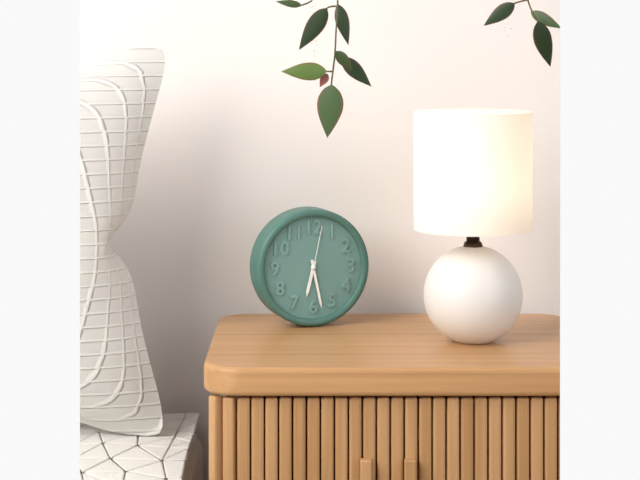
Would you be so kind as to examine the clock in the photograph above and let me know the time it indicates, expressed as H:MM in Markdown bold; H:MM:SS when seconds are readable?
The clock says **6:28:02**
